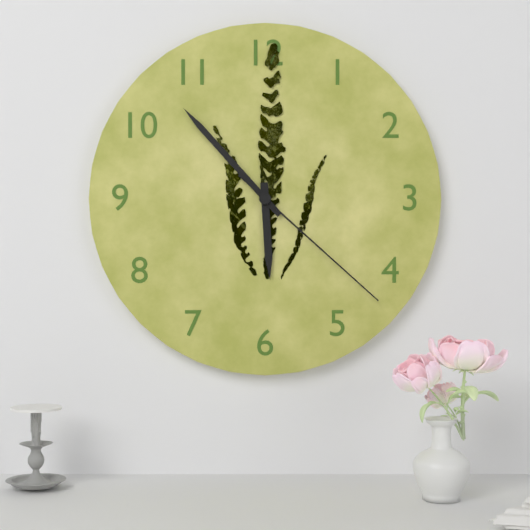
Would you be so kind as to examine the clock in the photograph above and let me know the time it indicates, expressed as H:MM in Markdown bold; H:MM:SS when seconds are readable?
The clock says **5:53:22**
